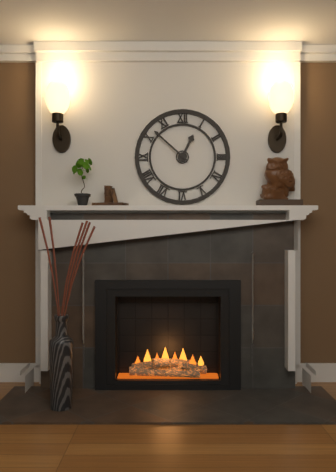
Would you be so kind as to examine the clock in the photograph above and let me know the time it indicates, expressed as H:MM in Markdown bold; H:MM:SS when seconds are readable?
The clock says **12:52**
